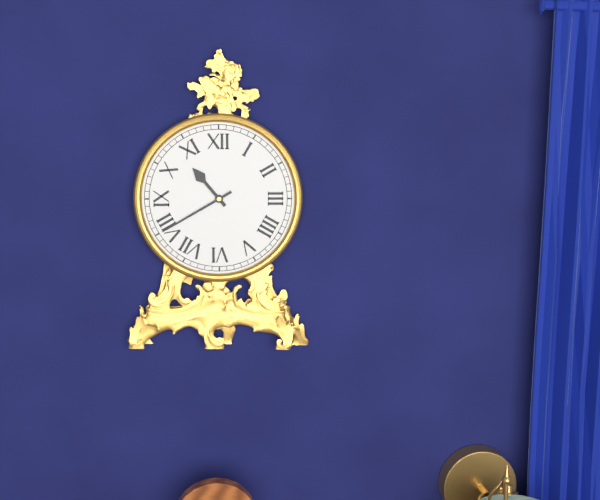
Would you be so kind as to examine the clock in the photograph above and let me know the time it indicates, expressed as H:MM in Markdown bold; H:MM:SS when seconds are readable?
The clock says **10:40**
